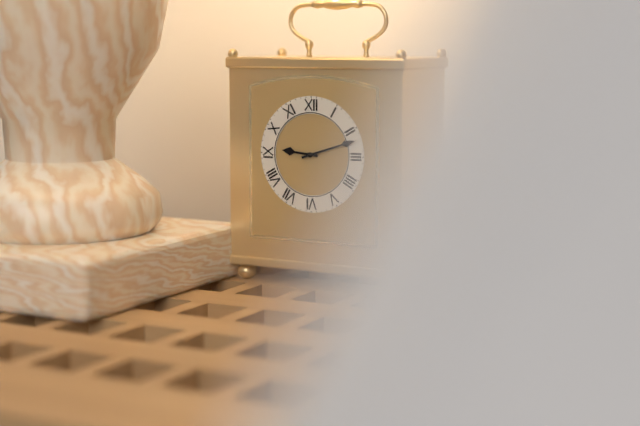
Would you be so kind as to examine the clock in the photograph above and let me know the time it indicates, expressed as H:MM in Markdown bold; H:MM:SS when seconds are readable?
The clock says **9:12**
